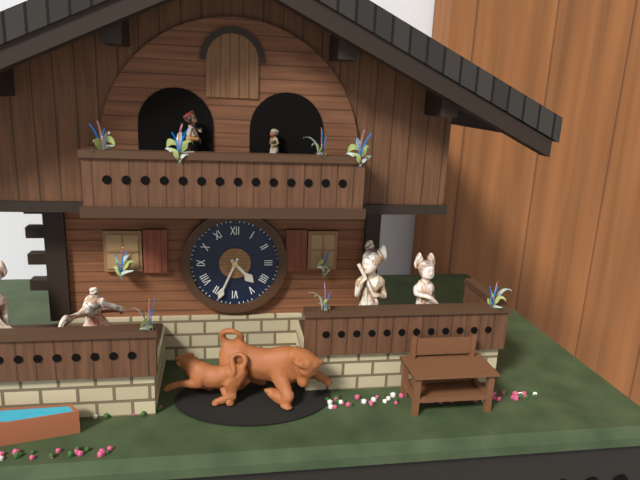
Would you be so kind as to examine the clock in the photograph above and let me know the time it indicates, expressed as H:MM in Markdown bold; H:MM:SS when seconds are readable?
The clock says **4:34**
